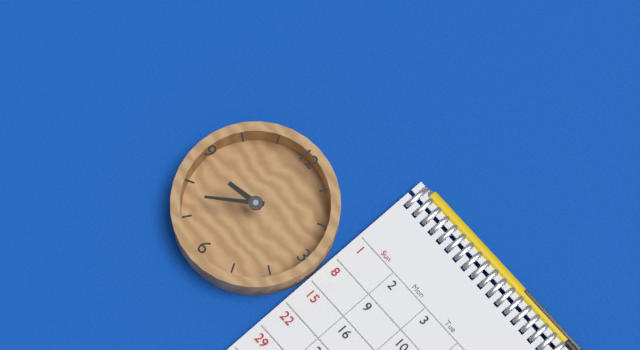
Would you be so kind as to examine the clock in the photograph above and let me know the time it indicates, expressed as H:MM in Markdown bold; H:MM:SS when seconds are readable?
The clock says **8:38**
